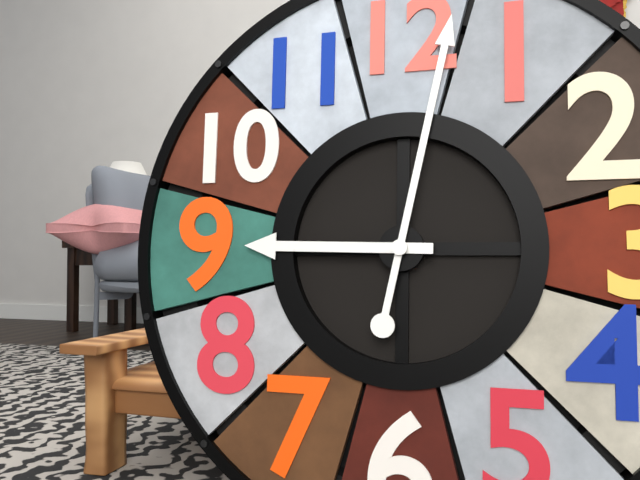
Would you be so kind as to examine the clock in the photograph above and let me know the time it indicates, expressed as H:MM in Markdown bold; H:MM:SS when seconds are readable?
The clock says **9:02**
